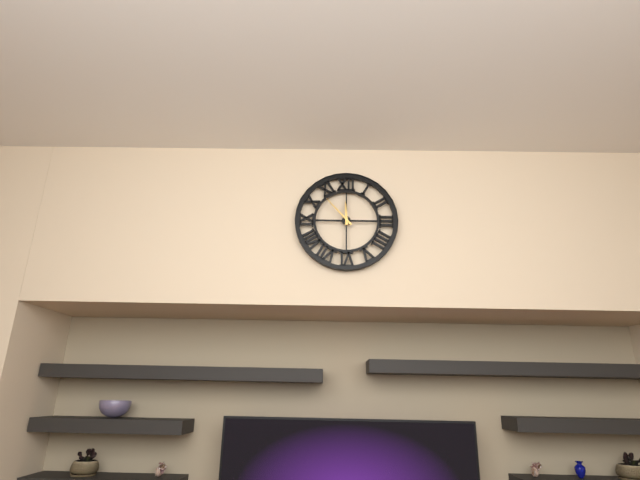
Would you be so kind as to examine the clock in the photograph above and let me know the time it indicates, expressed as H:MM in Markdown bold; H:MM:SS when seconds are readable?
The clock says **11:53**
